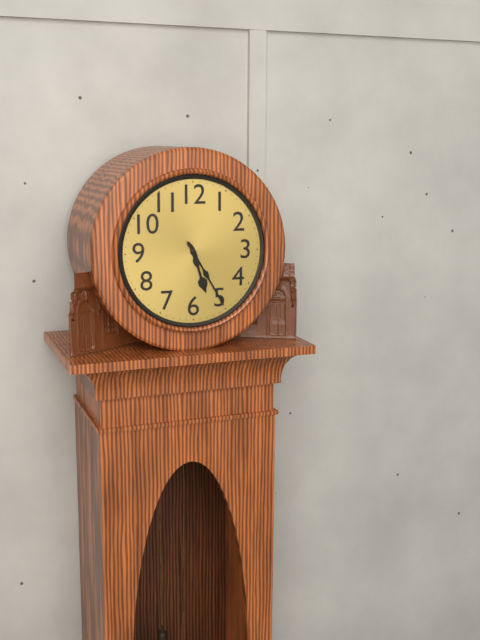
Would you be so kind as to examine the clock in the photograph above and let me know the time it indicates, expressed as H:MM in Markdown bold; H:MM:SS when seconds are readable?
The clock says **5:25**
